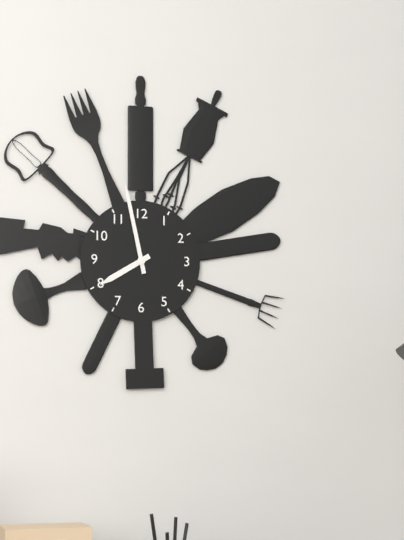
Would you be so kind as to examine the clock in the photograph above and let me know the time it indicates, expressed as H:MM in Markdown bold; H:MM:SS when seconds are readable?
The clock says **7:58**
